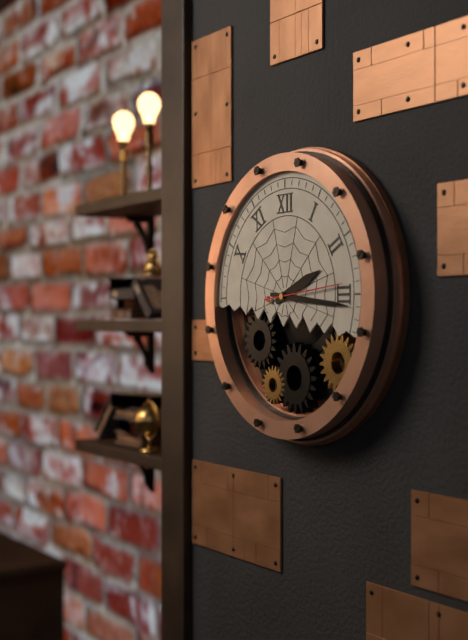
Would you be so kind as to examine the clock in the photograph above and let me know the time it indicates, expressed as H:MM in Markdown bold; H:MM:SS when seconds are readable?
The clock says **2:16:14**
